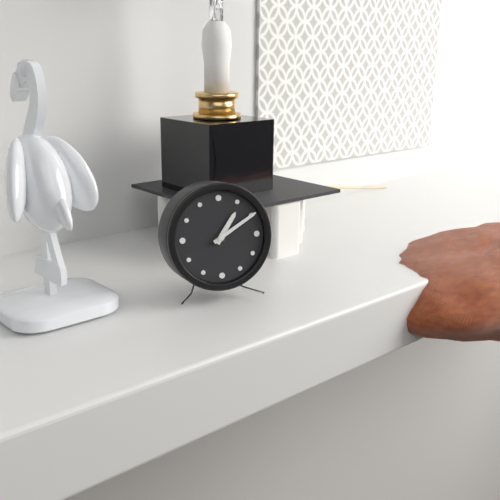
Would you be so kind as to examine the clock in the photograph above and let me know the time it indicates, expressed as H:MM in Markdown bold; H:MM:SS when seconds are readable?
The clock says **1:10**
